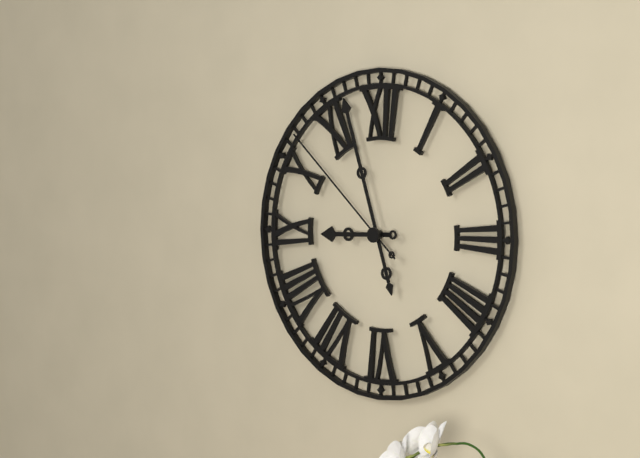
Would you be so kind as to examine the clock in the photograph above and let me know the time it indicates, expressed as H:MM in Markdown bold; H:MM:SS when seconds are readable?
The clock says **8:57:52**
